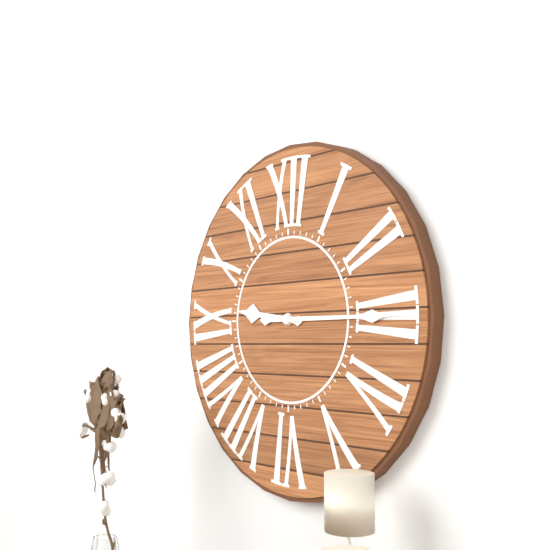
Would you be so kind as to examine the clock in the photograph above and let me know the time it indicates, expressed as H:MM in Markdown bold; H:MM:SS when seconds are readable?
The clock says **9:15**
